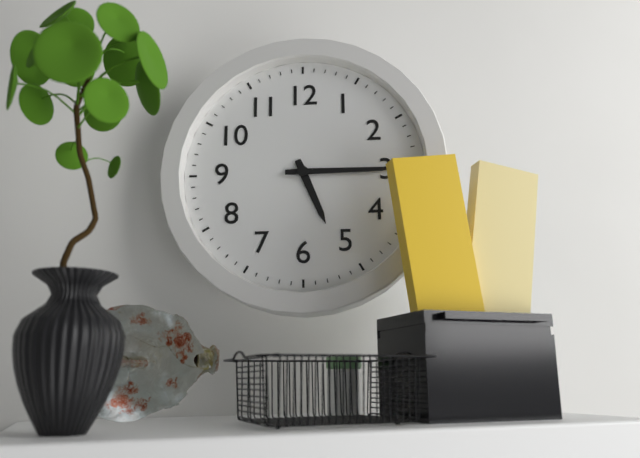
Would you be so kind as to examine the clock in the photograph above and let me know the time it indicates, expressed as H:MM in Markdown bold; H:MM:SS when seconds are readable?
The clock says **5:15**
